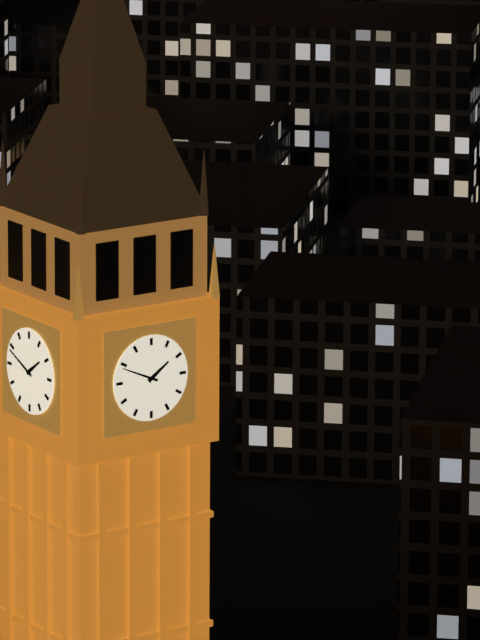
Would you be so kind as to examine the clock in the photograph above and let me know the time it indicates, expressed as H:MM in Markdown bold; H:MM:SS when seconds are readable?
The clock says **1:49**
